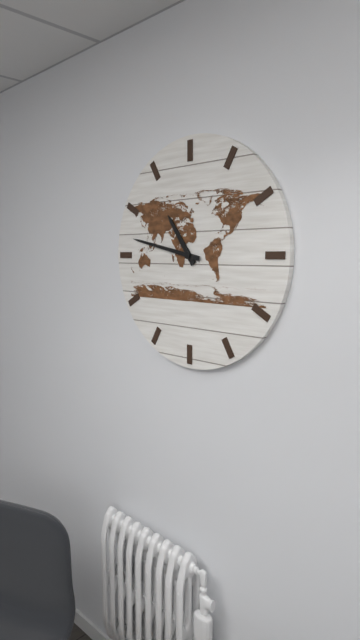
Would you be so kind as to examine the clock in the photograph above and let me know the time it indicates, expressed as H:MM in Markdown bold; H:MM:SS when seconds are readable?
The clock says **10:47**
